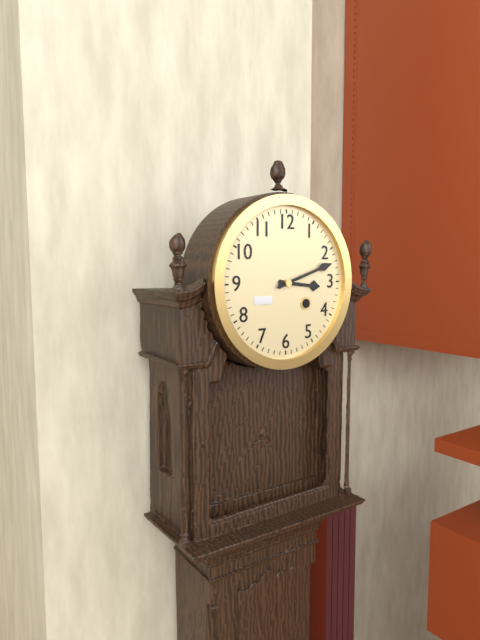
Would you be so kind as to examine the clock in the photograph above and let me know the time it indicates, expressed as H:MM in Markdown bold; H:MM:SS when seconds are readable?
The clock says **3:12**
